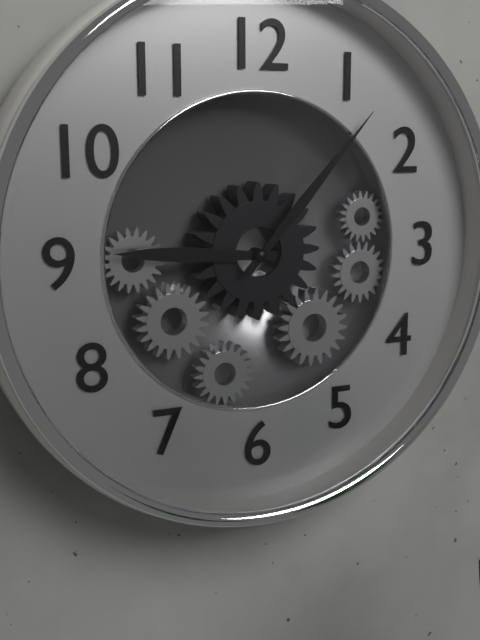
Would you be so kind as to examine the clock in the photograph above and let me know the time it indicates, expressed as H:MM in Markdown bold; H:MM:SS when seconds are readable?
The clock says **9:07**
